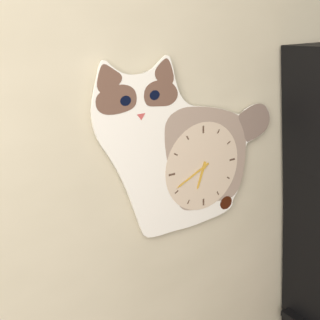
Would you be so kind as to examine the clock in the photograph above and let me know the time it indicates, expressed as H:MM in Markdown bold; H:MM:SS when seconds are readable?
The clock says **6:41**
